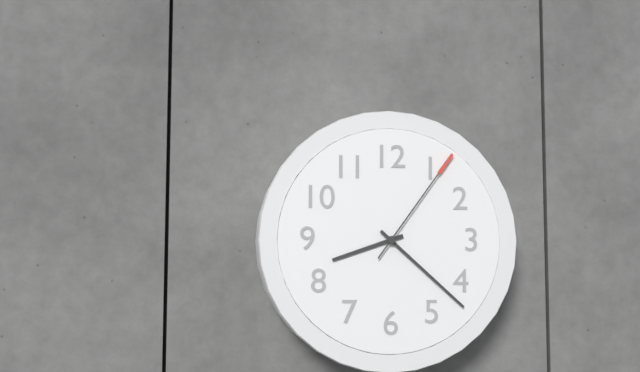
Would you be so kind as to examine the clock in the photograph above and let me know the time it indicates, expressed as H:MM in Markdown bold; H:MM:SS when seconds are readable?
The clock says **8:22:06**
